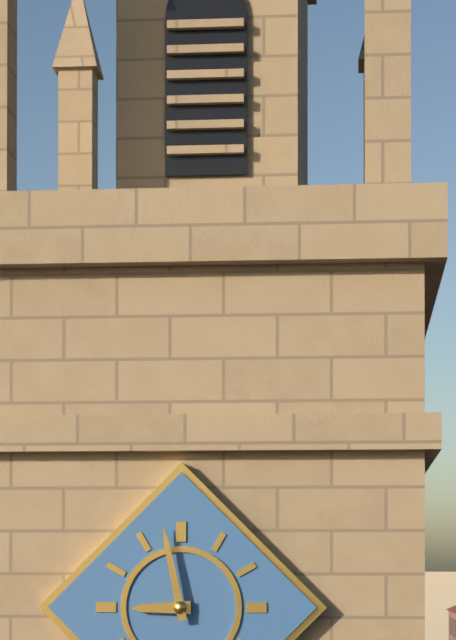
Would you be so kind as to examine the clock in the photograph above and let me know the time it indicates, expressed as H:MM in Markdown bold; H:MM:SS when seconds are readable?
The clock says **8:58**
